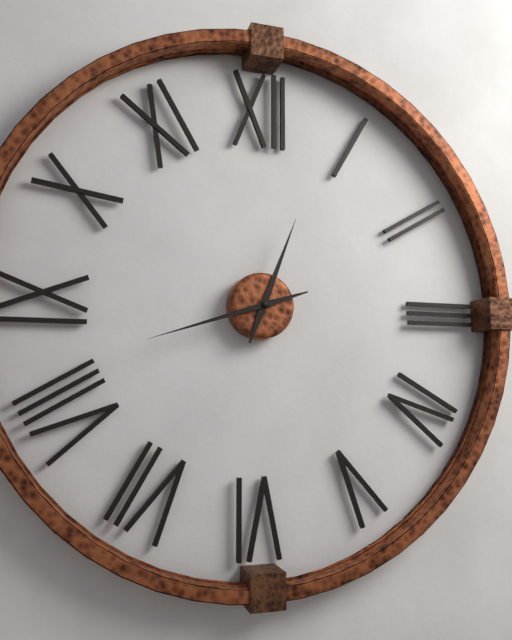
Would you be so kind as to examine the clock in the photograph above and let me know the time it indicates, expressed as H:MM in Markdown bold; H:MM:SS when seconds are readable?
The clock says **12:42**
